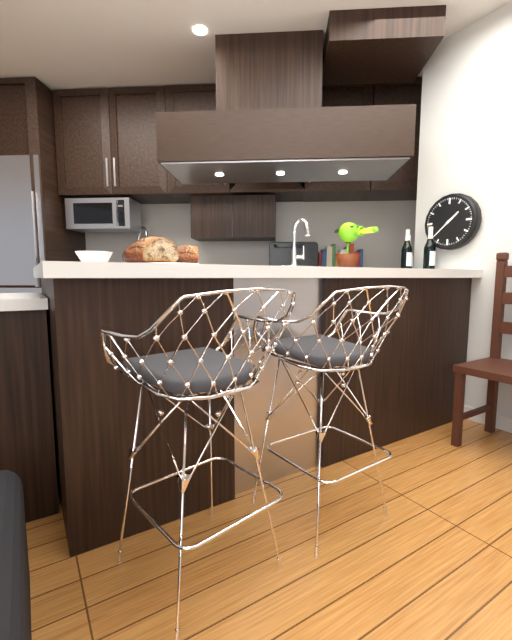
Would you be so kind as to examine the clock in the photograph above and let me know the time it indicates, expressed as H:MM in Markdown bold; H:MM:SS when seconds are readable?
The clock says **1:38**
